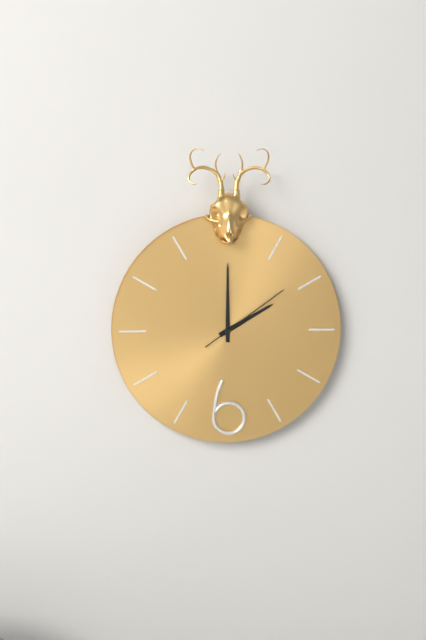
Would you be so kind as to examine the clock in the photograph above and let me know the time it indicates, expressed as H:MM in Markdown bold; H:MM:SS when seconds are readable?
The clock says **2:00:09**
